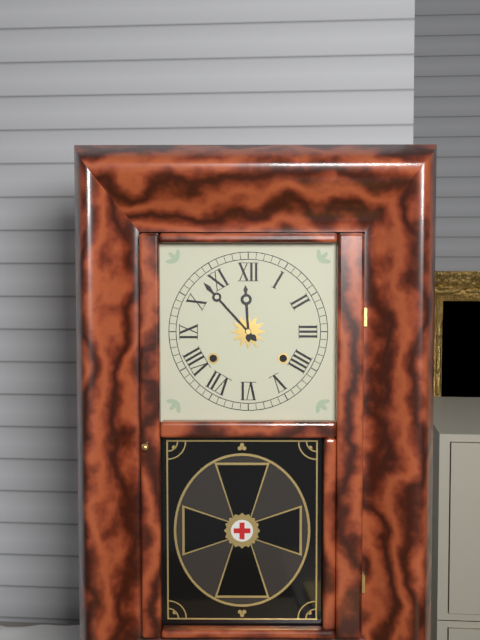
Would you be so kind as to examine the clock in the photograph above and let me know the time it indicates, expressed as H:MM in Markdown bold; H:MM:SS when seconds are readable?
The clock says **11:53**
